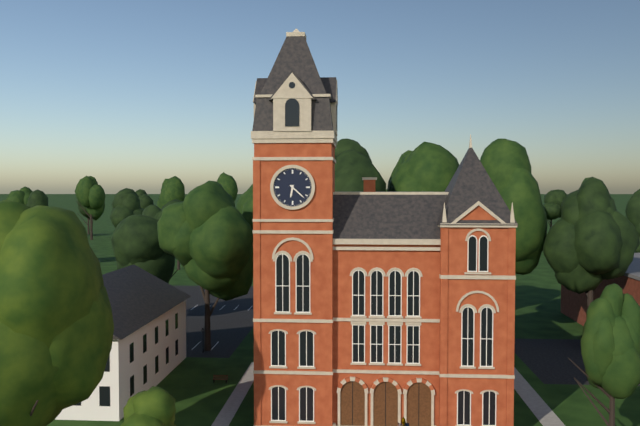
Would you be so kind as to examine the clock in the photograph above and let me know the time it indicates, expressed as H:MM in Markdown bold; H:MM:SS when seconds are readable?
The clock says **6:22**
